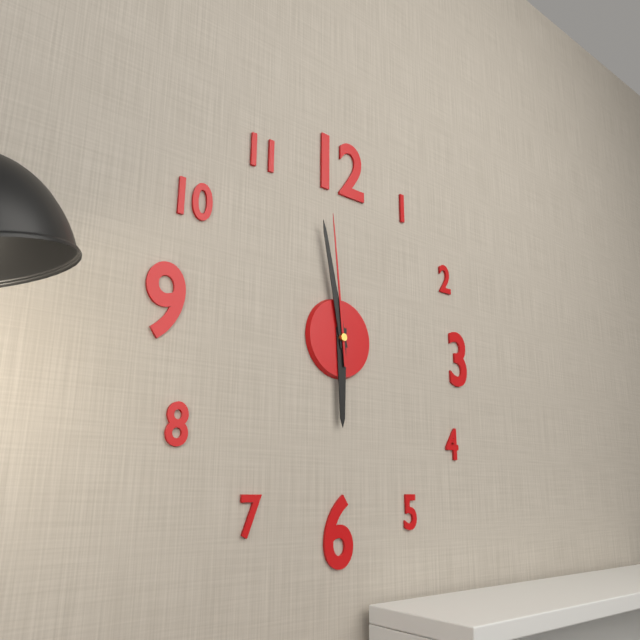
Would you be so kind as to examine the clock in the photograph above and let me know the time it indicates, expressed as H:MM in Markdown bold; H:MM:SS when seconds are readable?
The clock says **5:58:59**
